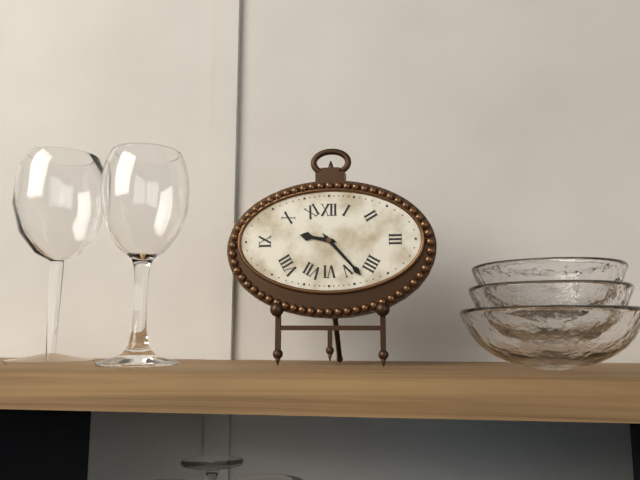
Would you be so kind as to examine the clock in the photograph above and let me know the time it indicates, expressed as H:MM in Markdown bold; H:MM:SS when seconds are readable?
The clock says **9:23**
